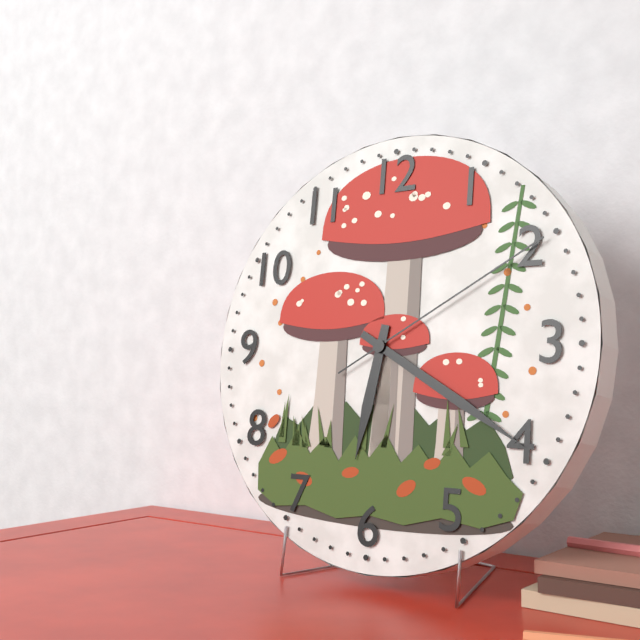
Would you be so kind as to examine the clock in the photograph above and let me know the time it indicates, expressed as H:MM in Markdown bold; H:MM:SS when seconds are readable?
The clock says **6:20:10**
